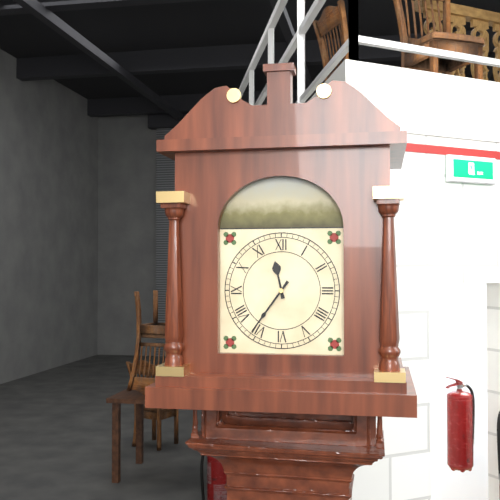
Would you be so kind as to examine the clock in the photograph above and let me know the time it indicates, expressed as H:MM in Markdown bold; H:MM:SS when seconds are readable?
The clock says **11:36**
